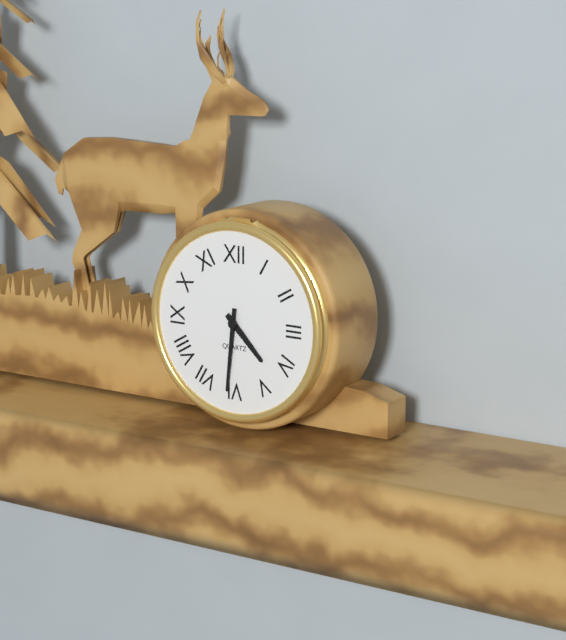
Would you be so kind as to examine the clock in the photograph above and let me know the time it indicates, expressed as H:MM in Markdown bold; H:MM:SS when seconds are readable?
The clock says **4:31**
